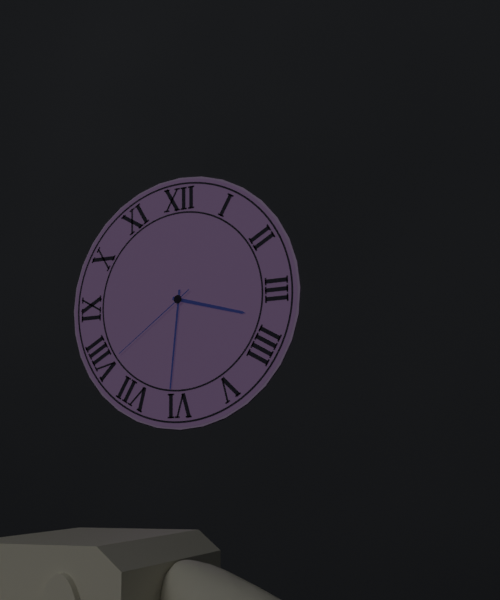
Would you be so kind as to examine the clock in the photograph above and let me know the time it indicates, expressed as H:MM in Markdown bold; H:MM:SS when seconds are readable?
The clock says **3:31:39**
